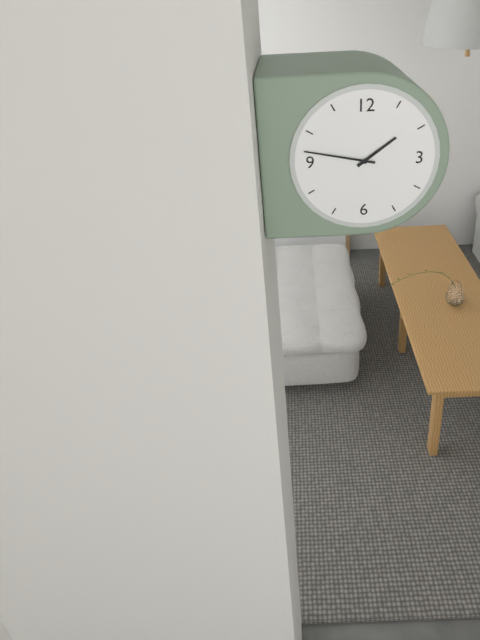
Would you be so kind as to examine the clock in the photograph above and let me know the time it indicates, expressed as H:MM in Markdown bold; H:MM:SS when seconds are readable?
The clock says **1:47**
